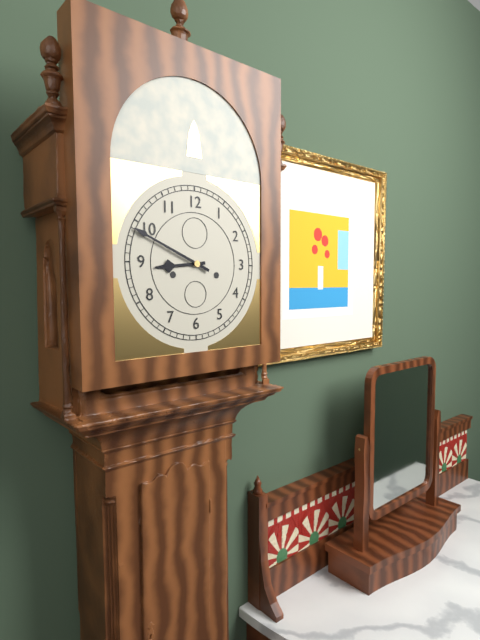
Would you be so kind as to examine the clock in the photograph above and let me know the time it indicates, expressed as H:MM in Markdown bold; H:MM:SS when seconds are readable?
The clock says **8:49**
